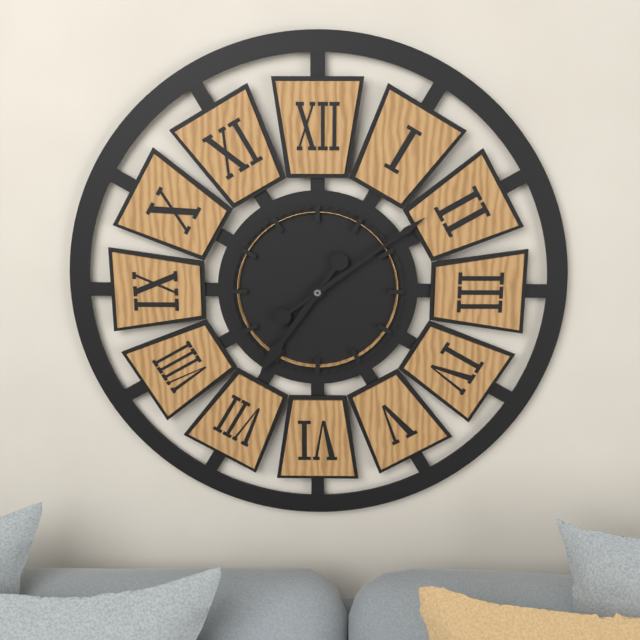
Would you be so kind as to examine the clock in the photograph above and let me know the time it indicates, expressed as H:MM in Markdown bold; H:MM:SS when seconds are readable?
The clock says **7:09**
